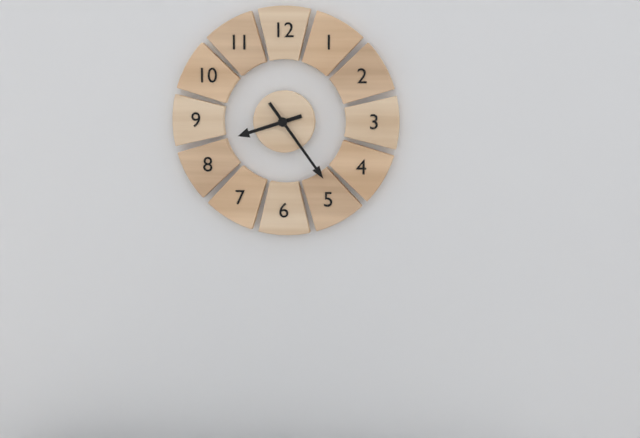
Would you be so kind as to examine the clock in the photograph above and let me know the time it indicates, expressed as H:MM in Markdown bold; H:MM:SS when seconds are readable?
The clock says **8:24**
